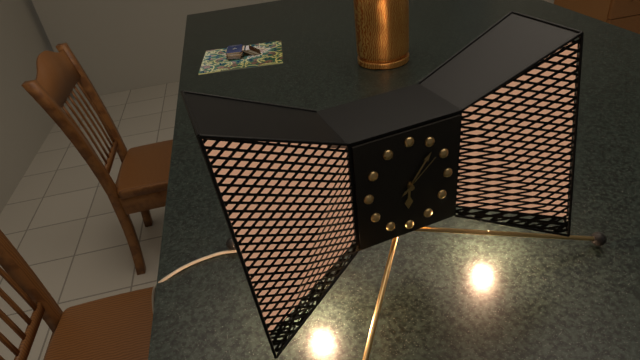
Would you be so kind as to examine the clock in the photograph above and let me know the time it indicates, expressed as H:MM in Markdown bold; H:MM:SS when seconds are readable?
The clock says **6:06**
